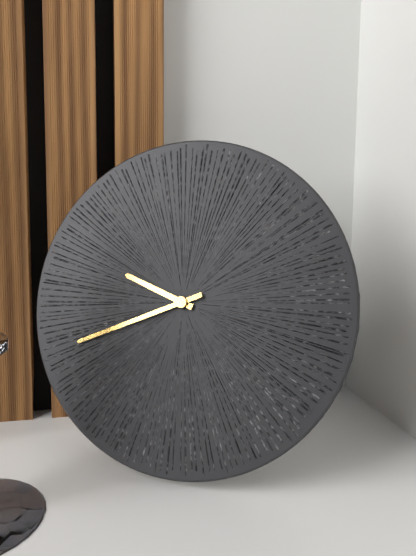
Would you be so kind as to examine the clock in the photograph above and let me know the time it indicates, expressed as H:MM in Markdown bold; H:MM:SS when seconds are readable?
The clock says **9:41**
